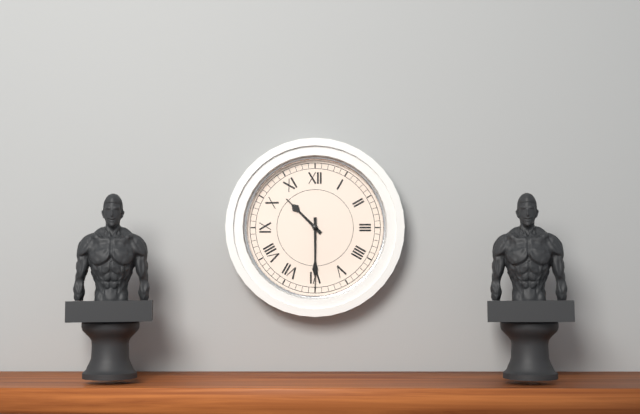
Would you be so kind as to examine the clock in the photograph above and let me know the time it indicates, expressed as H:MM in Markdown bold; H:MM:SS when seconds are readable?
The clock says **10:30**
